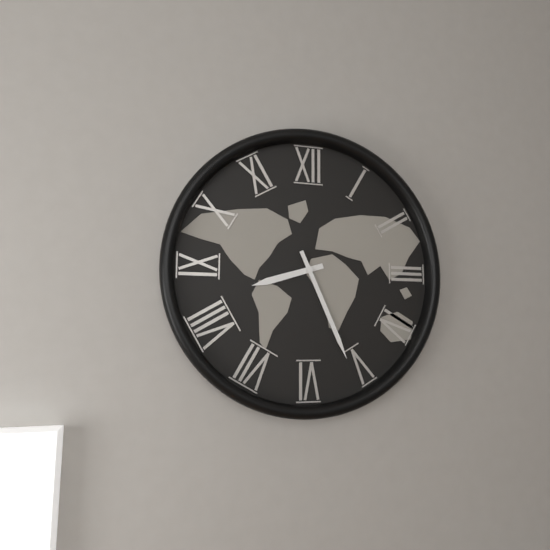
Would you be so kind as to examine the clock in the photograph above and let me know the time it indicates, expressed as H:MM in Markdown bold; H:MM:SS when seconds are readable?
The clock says **8:26**
